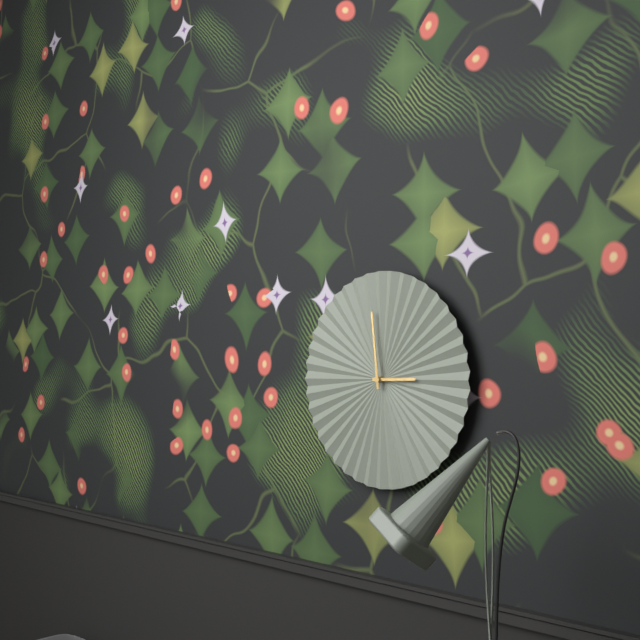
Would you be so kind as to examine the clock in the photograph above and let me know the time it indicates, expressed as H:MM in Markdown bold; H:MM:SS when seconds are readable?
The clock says **2:59**
